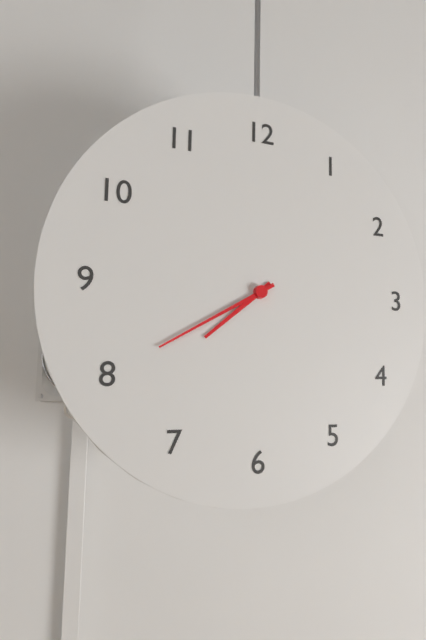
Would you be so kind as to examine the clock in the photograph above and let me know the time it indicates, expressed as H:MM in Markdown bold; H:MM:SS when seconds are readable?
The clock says **7:40**
